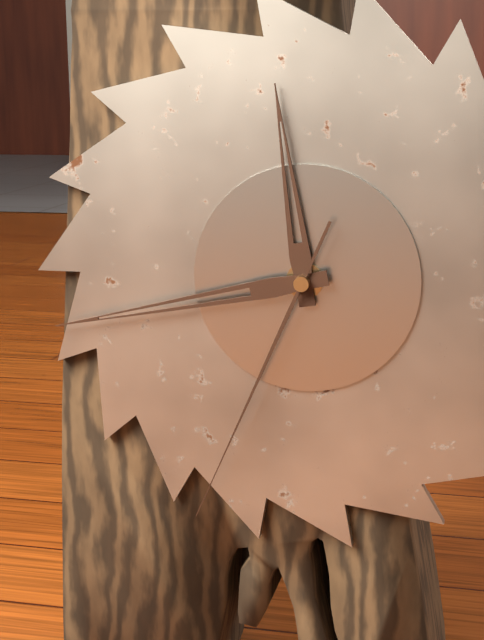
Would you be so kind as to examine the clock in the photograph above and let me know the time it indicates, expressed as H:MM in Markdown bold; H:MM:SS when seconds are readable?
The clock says **11:43:34**
